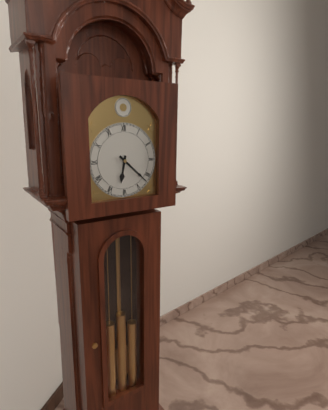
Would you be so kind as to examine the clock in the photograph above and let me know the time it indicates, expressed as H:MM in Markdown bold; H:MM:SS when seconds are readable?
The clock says **6:22**
